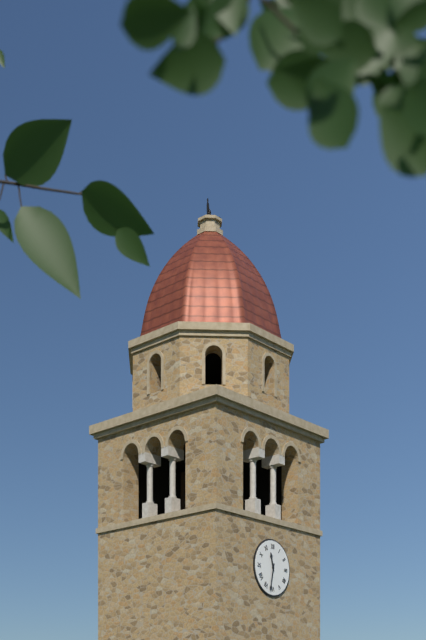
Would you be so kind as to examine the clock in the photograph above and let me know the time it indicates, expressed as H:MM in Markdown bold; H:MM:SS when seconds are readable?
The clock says **11:32**
